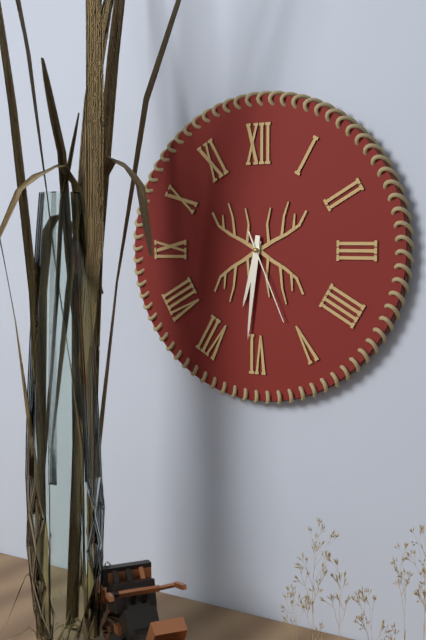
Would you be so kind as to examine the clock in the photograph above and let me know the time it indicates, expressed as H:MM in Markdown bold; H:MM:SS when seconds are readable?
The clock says **6:31:26**
